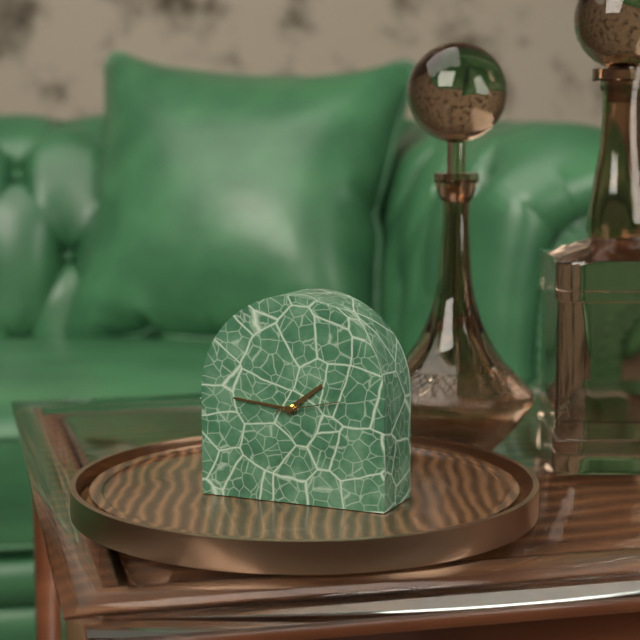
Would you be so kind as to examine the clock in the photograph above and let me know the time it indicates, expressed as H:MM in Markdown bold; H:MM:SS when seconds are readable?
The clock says **1:46:13**
